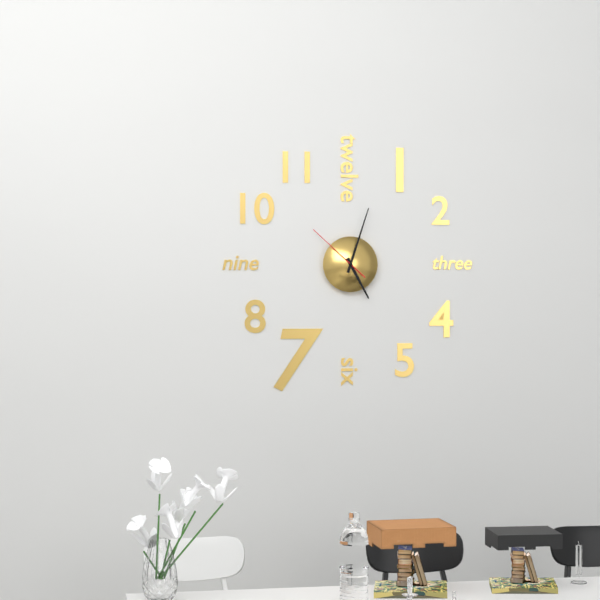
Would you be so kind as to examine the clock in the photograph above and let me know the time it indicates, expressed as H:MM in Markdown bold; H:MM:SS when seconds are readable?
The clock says **5:03:52**
